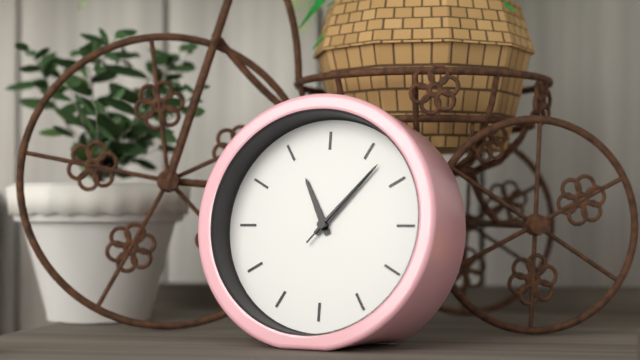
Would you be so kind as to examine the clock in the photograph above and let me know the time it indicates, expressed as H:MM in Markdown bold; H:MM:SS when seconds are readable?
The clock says **11:07:07**
